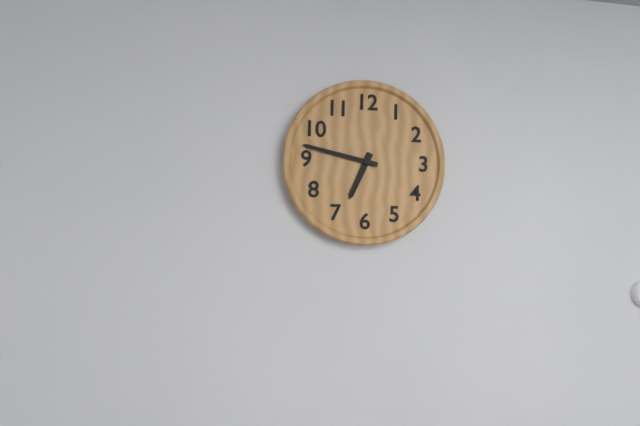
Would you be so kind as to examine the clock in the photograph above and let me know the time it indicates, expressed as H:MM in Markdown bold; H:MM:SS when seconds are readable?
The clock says **6:47**
